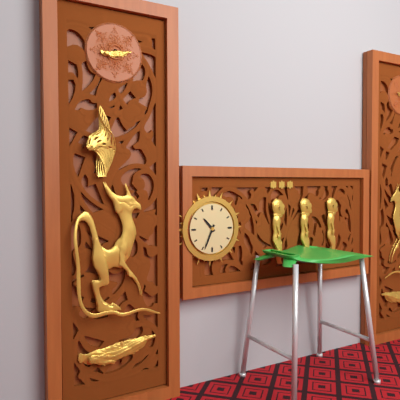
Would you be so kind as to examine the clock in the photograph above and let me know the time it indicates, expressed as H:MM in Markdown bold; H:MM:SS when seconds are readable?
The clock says **10:34**
